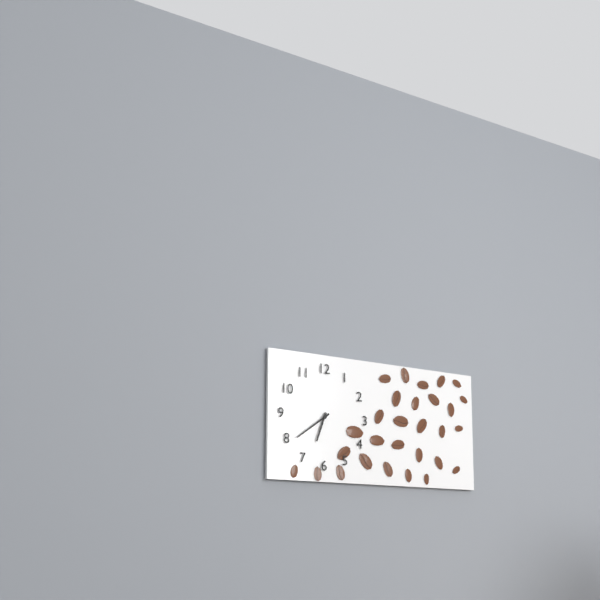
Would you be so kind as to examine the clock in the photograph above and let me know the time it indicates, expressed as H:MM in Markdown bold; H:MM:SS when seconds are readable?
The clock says **6:39**
